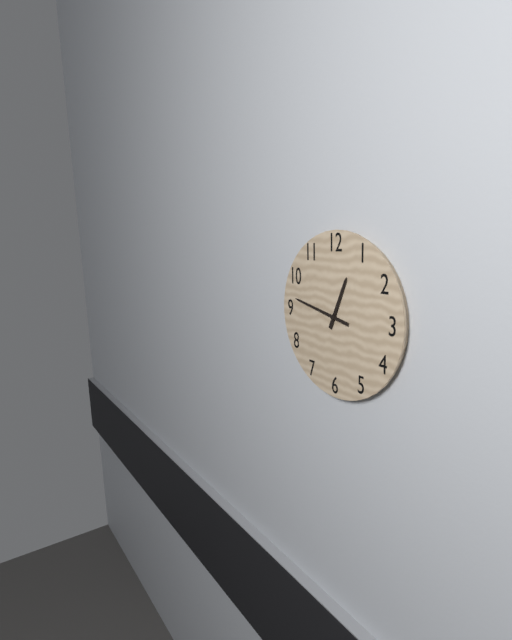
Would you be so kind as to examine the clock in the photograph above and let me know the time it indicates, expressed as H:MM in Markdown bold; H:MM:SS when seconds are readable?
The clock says **12:47**
